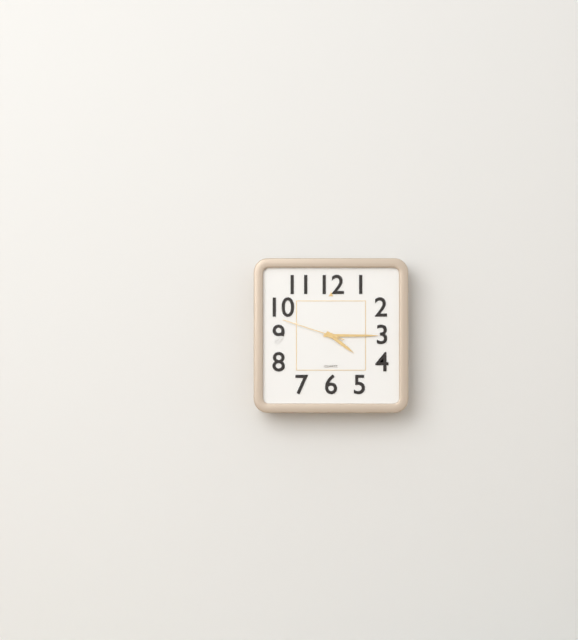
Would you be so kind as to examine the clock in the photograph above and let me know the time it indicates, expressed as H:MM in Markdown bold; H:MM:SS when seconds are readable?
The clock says **4:15:48**
